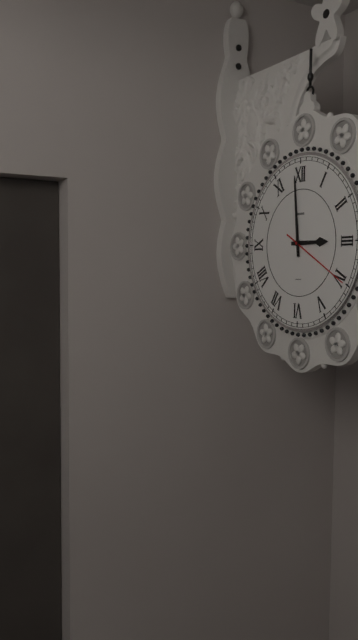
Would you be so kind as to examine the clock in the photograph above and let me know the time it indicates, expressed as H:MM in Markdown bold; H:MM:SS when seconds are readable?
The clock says **2:59:20**
